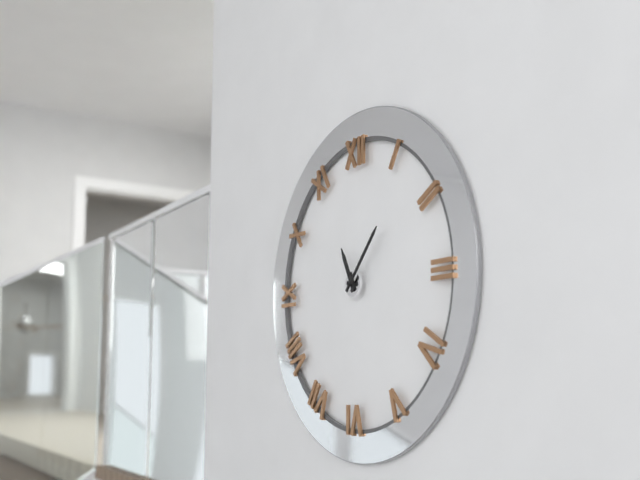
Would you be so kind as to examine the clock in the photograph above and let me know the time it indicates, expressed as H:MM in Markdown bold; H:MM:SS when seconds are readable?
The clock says **11:07**
